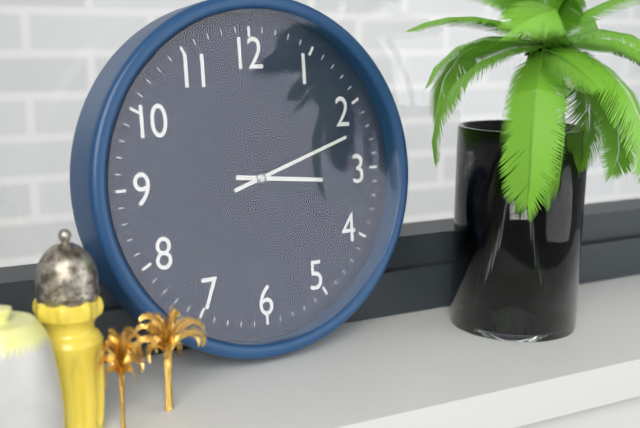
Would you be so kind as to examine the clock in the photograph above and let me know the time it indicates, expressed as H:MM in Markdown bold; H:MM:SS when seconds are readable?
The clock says **3:12**
